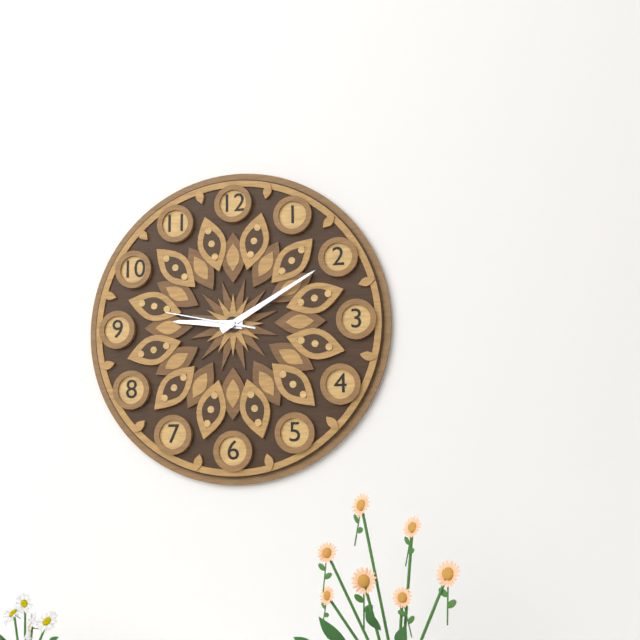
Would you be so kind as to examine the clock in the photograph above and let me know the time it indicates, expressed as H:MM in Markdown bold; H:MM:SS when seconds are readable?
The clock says **9:10:47**
